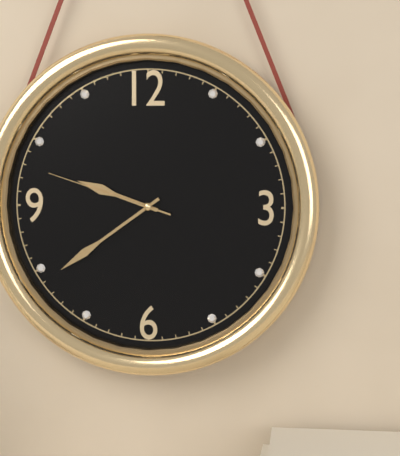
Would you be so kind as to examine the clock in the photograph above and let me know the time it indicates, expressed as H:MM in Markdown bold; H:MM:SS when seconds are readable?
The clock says **9:39:48**
